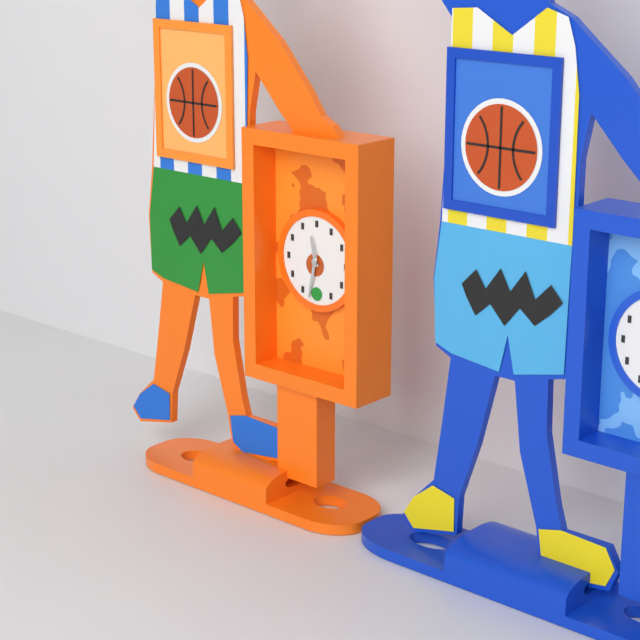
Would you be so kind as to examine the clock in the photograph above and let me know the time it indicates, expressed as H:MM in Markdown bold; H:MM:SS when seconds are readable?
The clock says **11:32**
